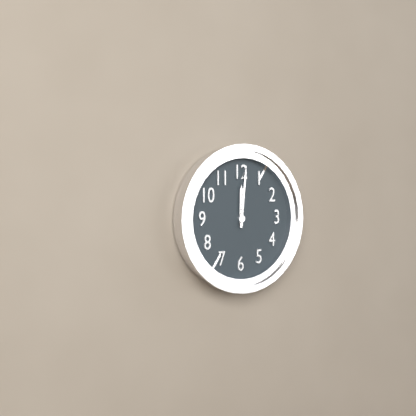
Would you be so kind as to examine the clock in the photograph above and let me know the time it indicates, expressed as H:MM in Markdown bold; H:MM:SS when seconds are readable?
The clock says **12:01**
